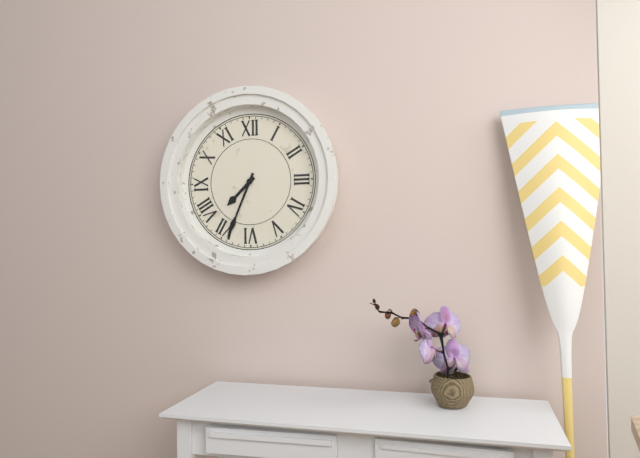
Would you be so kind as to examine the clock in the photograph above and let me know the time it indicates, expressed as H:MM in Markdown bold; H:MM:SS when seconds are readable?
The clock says **7:34**
